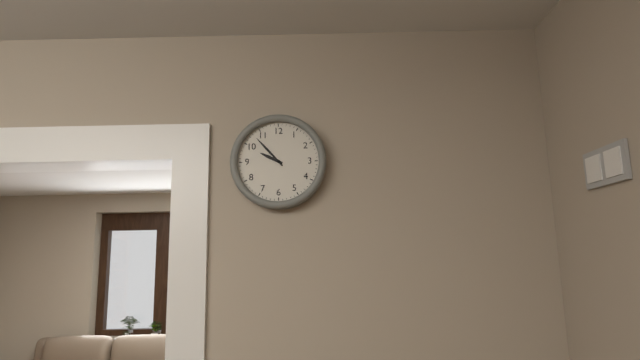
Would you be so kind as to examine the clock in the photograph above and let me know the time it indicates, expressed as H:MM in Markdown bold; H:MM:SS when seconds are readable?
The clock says **9:53**
